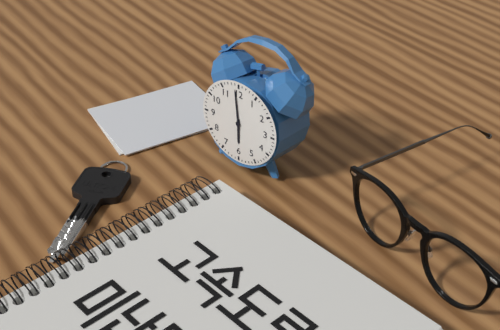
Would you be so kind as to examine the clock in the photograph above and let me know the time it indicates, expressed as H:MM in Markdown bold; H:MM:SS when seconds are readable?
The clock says **5:59**
